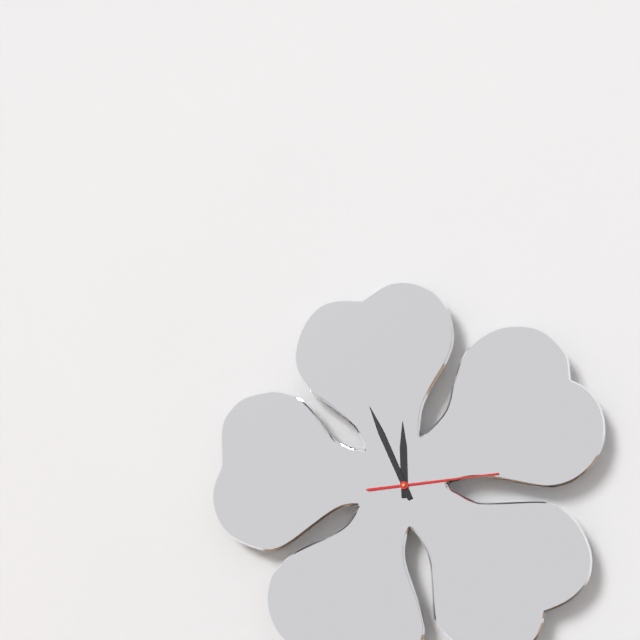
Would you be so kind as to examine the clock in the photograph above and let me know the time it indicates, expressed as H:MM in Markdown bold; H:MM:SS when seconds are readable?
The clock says **11:56:14**
